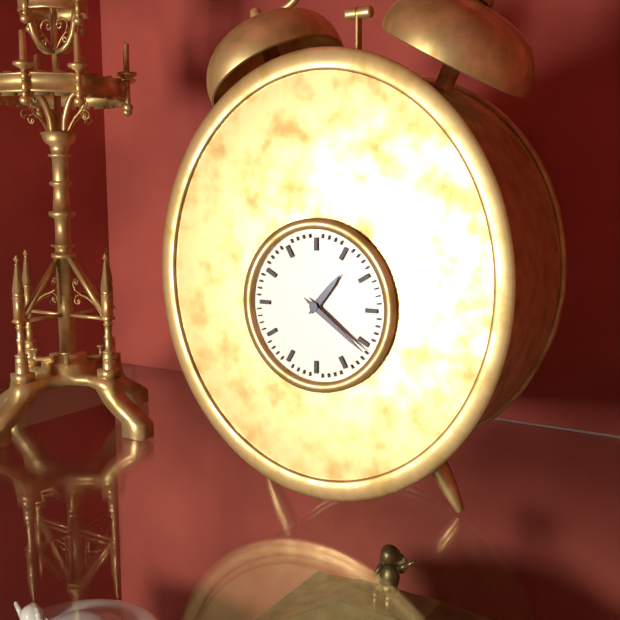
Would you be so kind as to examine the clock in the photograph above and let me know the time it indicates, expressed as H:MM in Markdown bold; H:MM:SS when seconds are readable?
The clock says **1:21**
